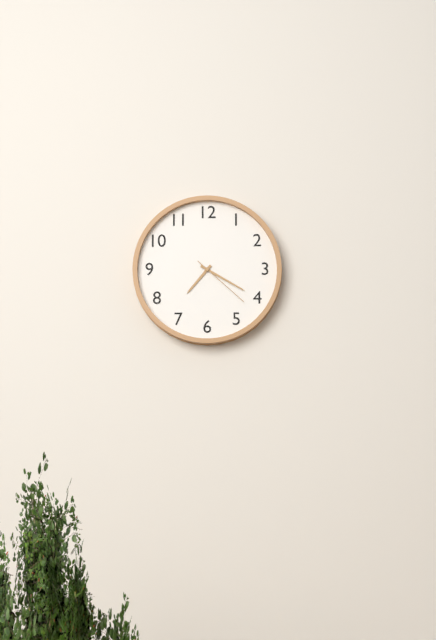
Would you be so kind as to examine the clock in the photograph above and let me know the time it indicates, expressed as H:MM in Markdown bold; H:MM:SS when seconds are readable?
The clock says **7:20:22**
